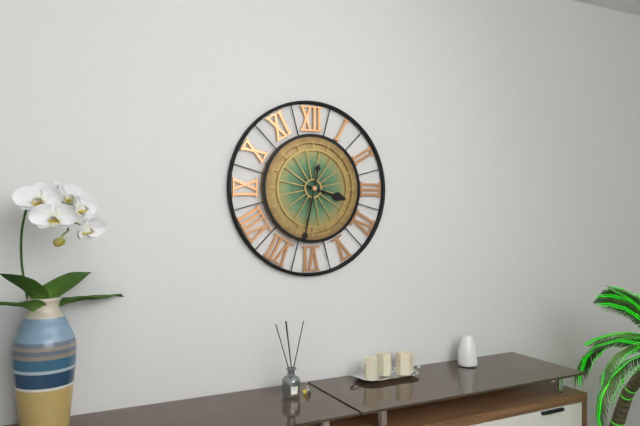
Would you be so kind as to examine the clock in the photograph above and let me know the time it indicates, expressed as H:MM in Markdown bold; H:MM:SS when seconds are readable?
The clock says **3:32**
